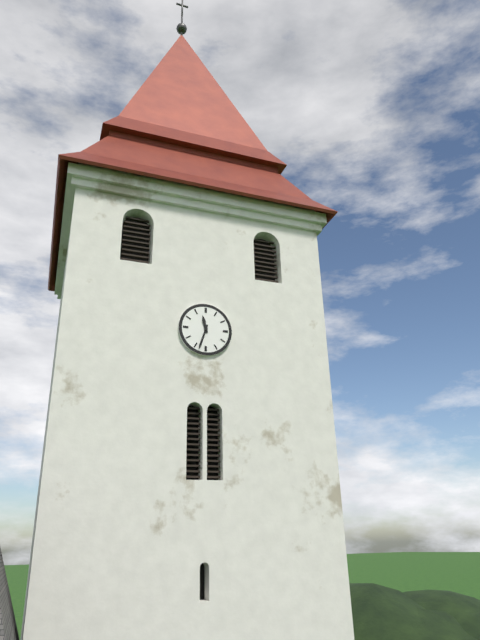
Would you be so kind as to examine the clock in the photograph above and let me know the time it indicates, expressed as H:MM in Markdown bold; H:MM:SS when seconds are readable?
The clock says **11:33**
